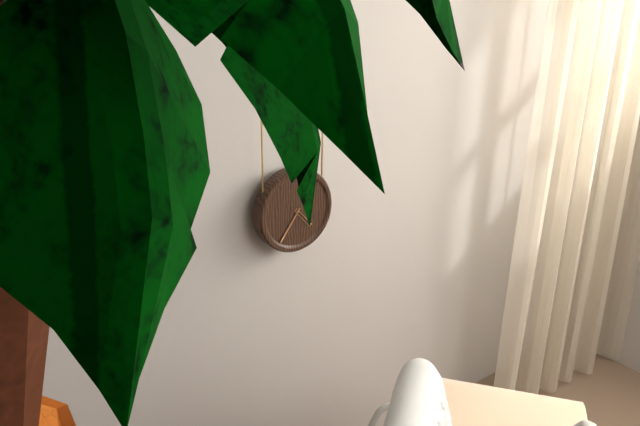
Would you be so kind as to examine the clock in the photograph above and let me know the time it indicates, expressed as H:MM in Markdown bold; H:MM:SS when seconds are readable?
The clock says **4:36**
